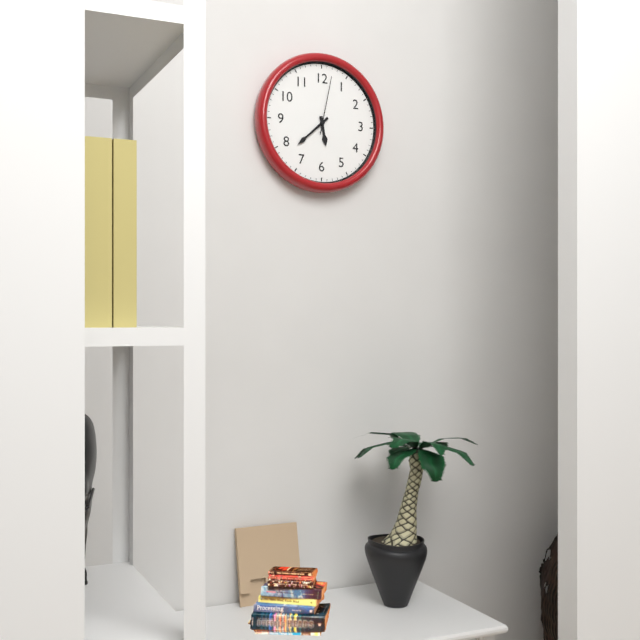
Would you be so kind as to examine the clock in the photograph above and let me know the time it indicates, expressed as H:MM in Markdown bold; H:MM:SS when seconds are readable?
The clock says **5:38:02**
